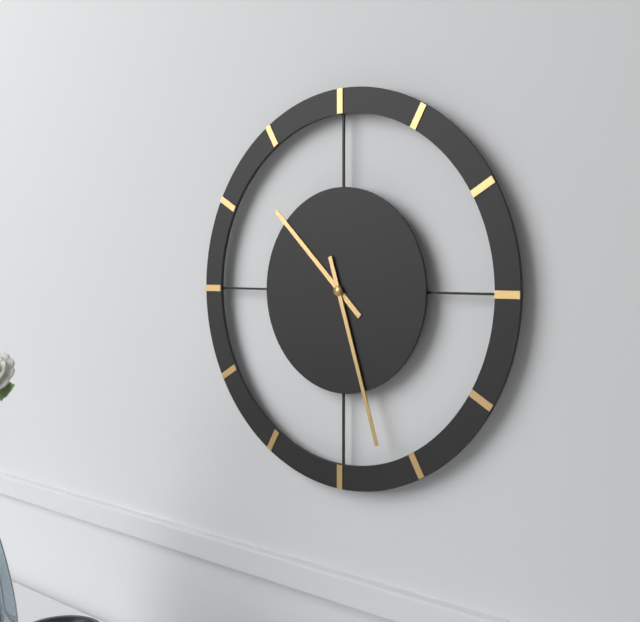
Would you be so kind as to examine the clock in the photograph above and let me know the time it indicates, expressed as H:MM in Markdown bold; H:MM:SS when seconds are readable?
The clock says **10:27**
